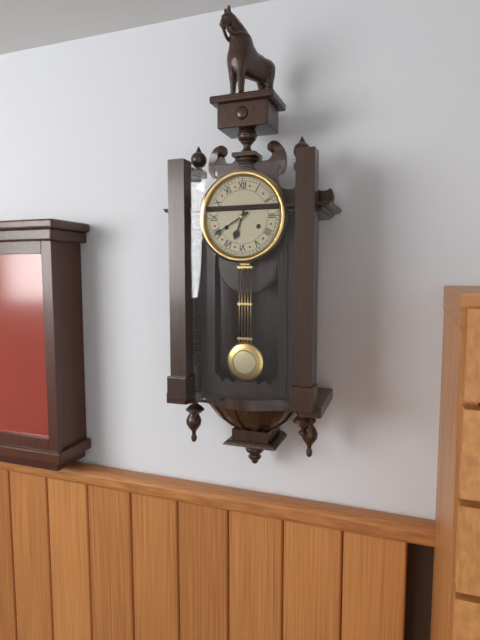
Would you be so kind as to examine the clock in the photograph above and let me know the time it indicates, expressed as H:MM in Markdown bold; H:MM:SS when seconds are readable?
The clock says **6:40**
